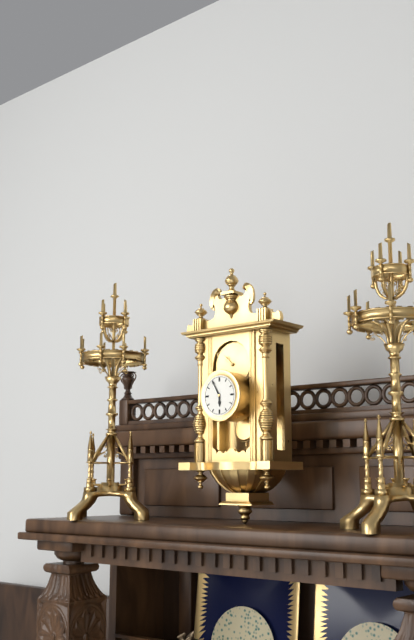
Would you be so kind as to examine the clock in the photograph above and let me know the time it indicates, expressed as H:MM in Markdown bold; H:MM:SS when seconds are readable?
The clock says **5:55**
